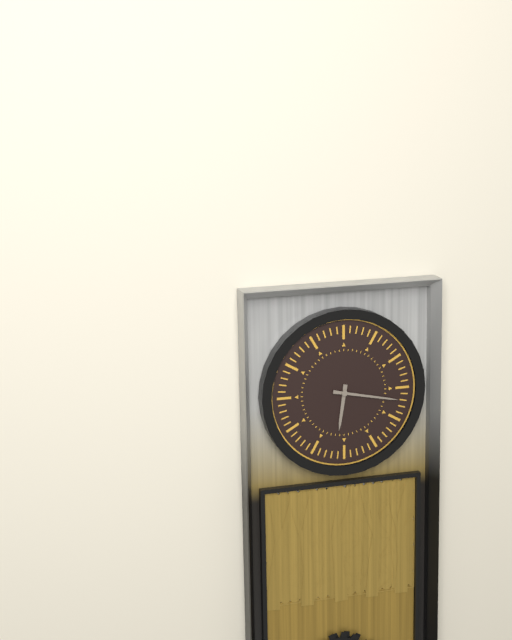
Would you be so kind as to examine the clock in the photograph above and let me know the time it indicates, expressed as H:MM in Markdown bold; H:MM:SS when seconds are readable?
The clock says **6:17**
